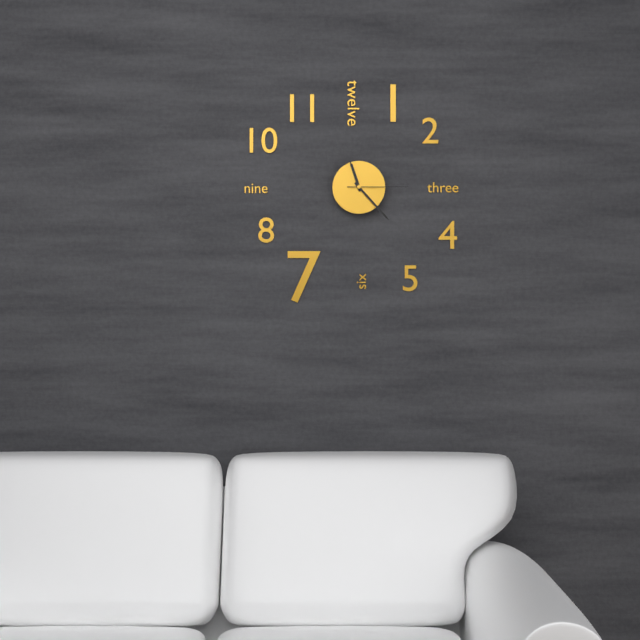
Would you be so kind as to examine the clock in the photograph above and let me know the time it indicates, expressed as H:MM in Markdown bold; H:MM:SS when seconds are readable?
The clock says **11:23:15**
